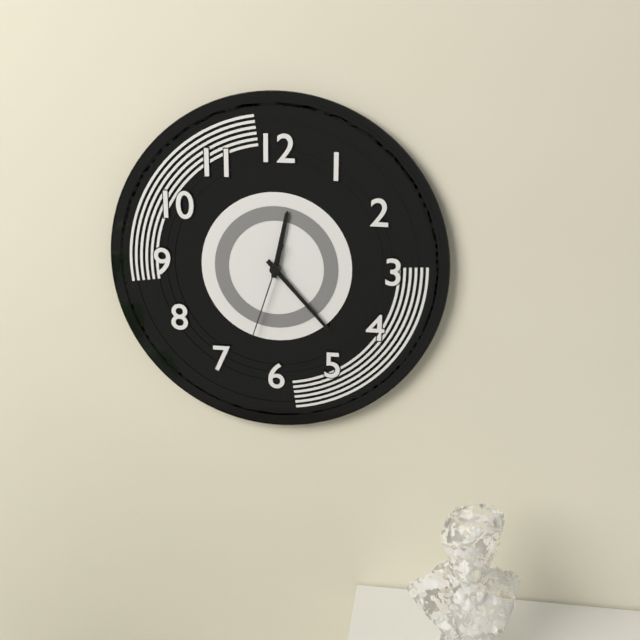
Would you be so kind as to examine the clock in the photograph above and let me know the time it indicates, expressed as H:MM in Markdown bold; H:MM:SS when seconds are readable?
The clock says **12:23:33**
